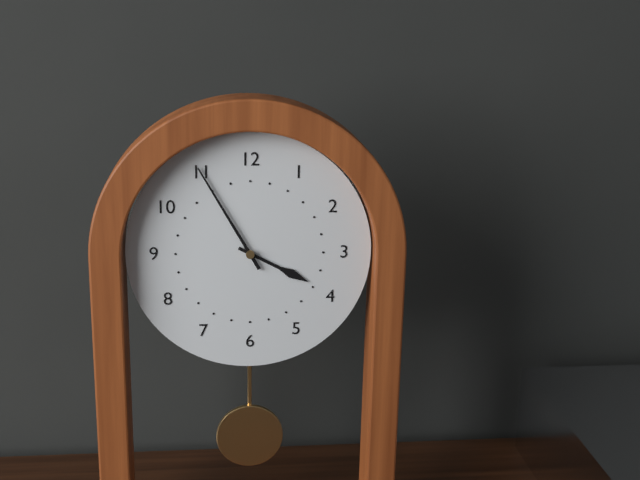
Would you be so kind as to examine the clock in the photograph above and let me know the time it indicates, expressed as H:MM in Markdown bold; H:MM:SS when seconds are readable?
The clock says **3:55**
